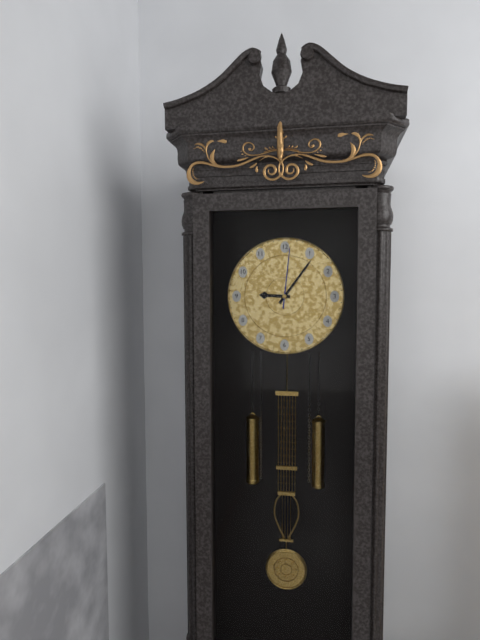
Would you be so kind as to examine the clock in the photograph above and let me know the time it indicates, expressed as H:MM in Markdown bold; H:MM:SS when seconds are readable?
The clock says **9:06:01**
